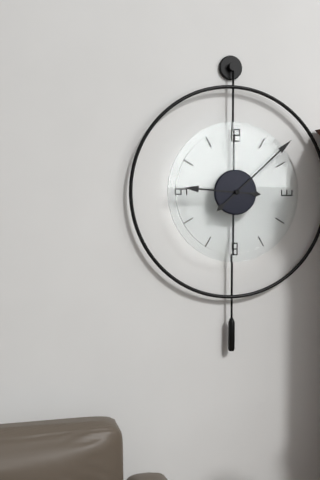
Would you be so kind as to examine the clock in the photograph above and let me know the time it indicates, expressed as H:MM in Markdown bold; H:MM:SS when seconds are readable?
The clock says **9:08**
